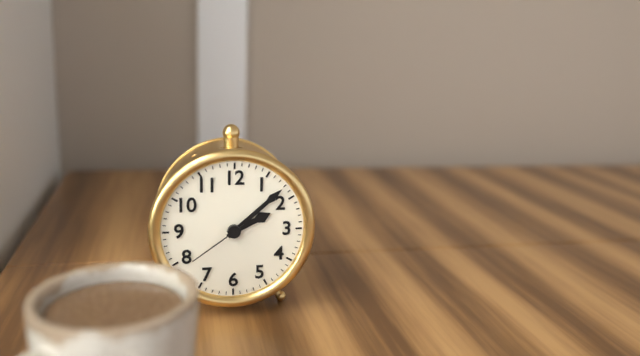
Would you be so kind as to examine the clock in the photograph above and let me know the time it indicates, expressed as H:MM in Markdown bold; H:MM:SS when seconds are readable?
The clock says **2:08:39**
